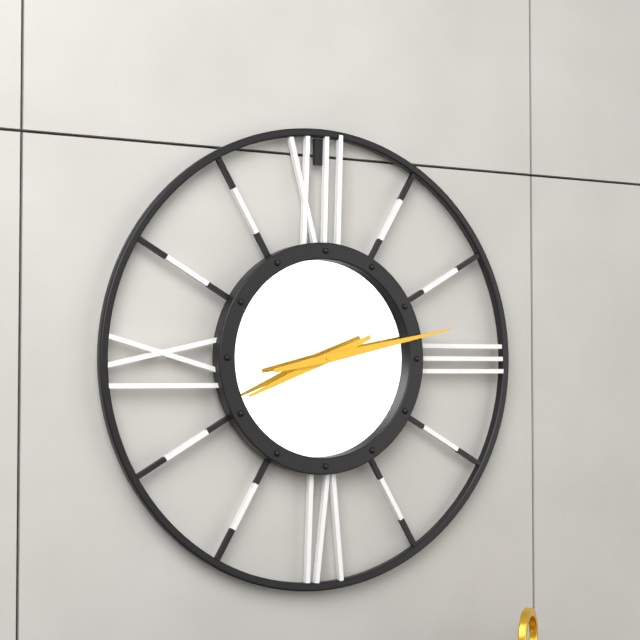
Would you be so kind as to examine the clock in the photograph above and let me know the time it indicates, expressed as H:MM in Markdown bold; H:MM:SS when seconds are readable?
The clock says **8:13**
